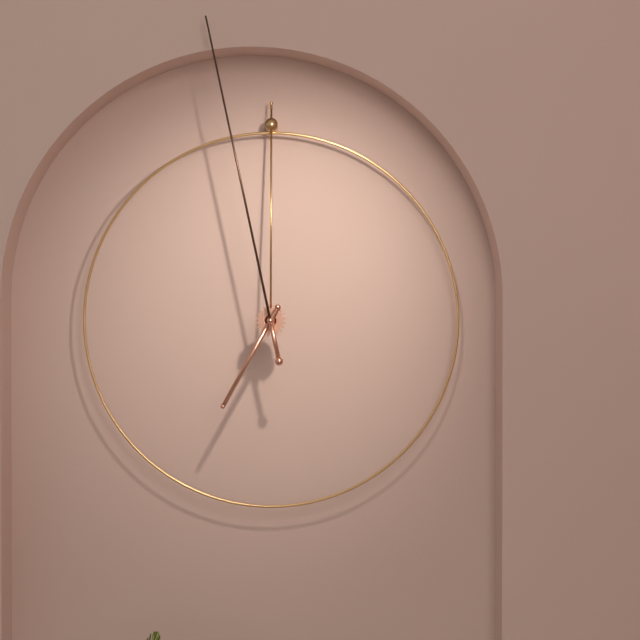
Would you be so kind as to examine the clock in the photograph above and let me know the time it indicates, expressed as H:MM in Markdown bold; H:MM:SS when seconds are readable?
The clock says **6:58**
